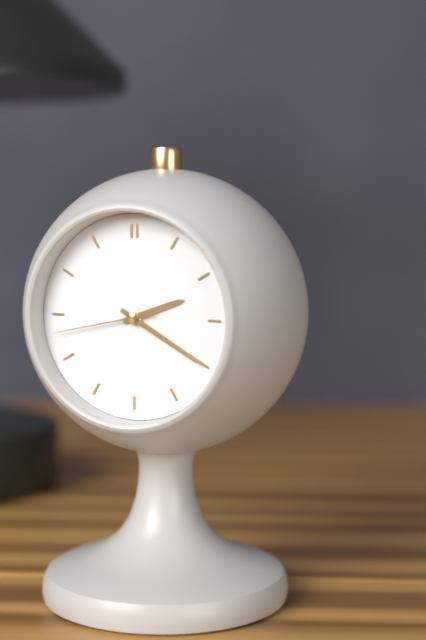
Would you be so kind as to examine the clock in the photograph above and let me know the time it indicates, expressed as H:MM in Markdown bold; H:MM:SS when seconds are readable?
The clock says **2:20:43**
